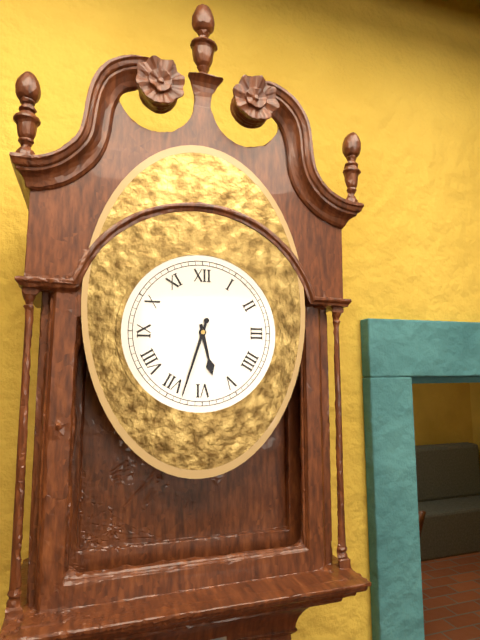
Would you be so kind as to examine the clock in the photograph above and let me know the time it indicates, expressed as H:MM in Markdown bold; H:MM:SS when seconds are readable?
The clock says **5:33**
